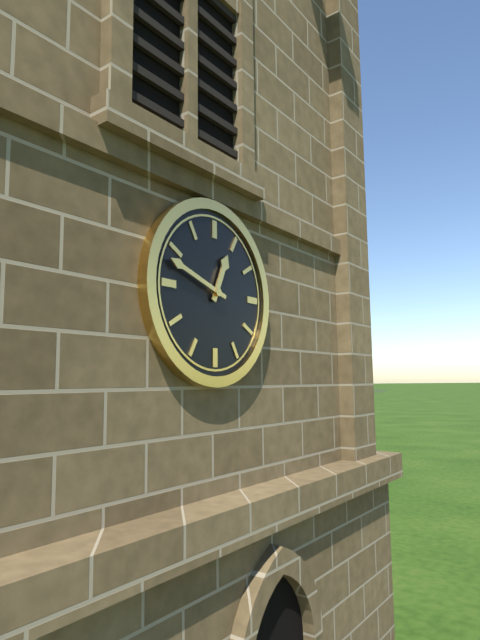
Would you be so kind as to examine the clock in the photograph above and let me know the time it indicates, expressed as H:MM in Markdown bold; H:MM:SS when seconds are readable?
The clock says **12:48**
